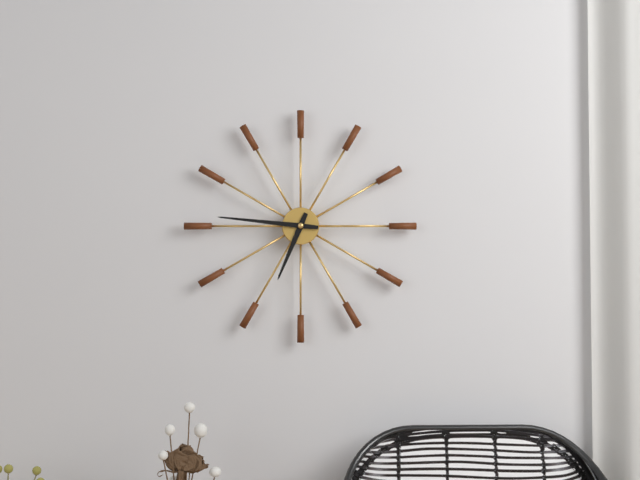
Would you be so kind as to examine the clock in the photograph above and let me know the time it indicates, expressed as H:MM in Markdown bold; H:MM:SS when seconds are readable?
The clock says **6:46**
